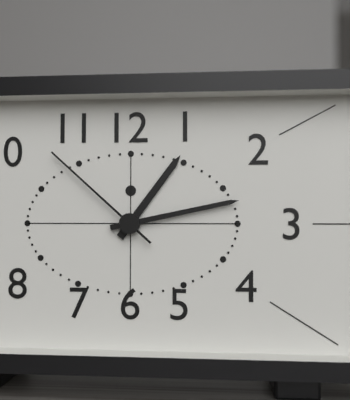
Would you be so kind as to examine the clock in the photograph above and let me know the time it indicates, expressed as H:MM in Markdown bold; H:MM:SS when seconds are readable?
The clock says **1:13:52**
